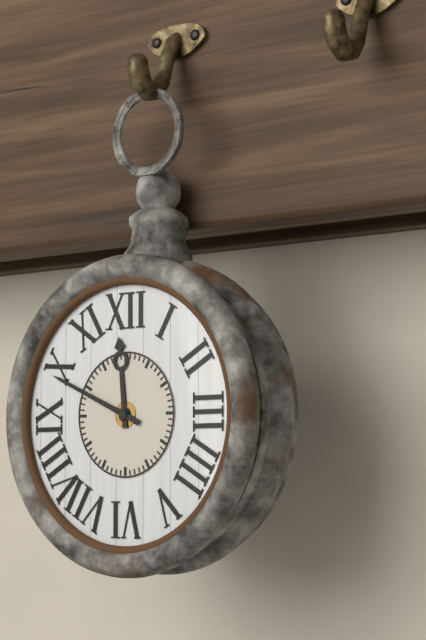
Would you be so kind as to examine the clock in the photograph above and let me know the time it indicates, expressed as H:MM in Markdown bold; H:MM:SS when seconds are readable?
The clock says **11:49**
